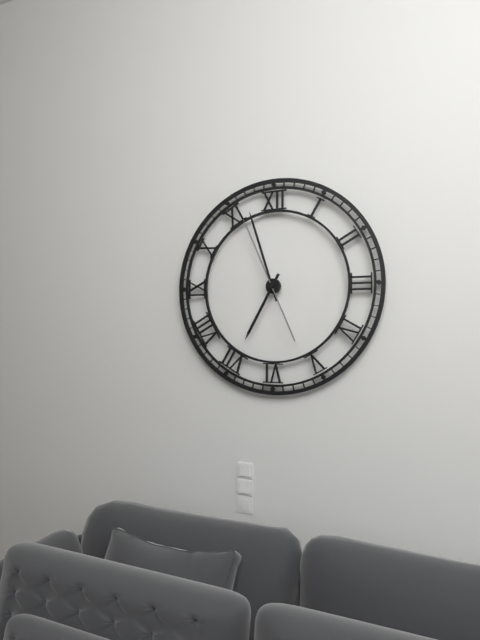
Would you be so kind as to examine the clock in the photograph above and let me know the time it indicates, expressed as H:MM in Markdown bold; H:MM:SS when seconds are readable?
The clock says **6:57:56**
